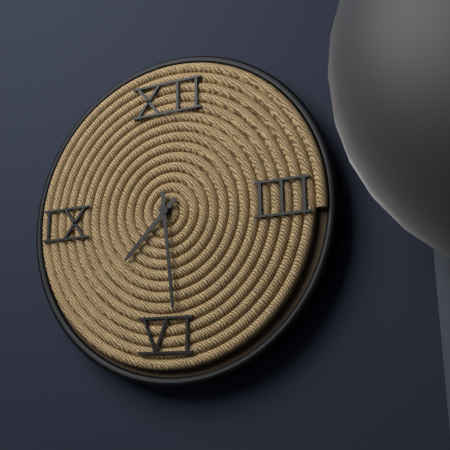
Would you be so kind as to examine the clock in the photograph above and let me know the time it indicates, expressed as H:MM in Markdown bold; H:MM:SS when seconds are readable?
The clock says **7:29**
